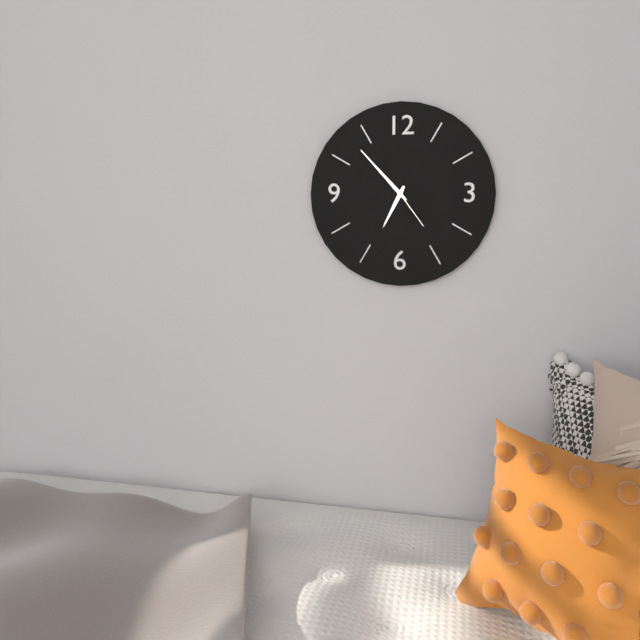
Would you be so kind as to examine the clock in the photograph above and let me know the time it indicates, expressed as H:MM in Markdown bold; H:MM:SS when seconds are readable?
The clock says **6:53:24**
